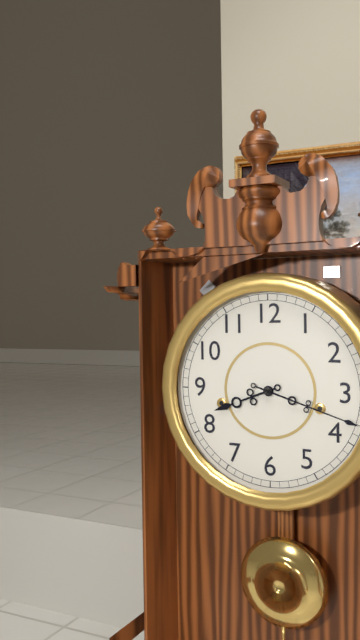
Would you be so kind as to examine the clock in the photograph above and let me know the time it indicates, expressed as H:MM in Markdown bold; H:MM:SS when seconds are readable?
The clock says **8:18**
